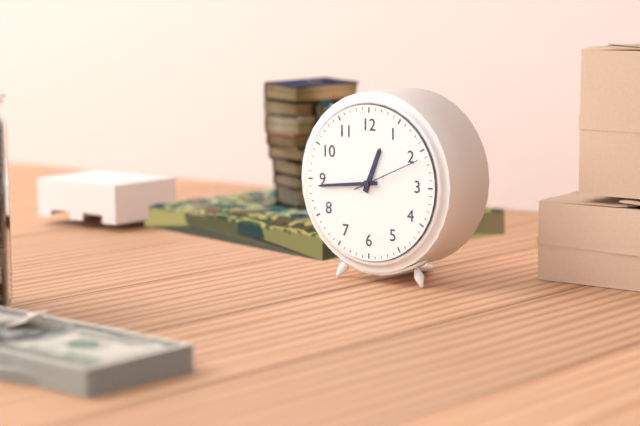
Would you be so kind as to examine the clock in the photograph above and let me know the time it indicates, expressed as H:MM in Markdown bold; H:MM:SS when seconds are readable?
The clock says **12:44:11**
